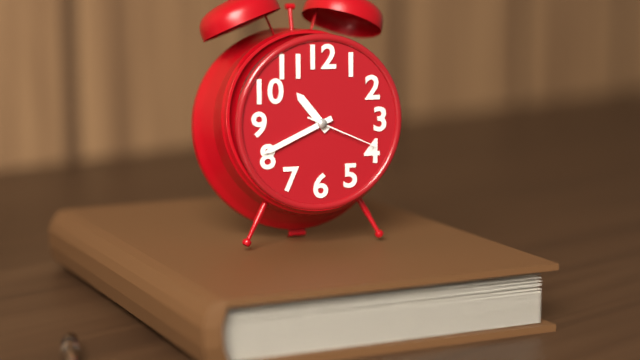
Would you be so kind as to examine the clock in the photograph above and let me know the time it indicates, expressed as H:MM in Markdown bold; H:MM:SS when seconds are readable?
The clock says **10:41:19**
